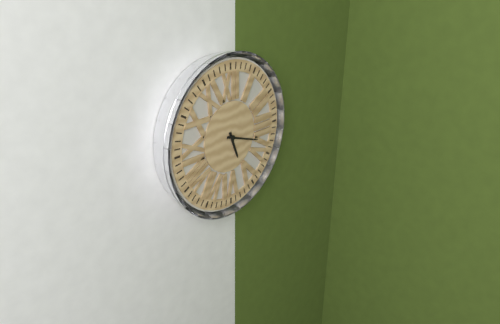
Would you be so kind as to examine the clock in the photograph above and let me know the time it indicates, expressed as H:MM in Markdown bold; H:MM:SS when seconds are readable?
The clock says **5:18**
